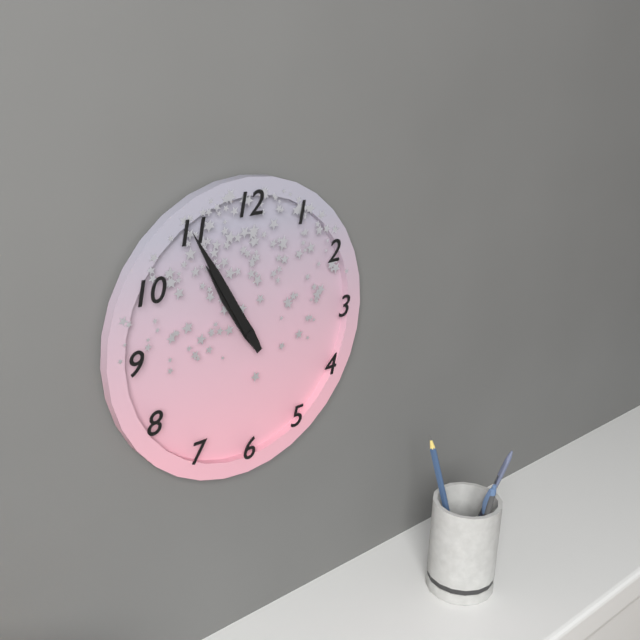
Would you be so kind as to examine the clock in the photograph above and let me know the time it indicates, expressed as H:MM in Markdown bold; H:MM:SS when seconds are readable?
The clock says **10:55**
